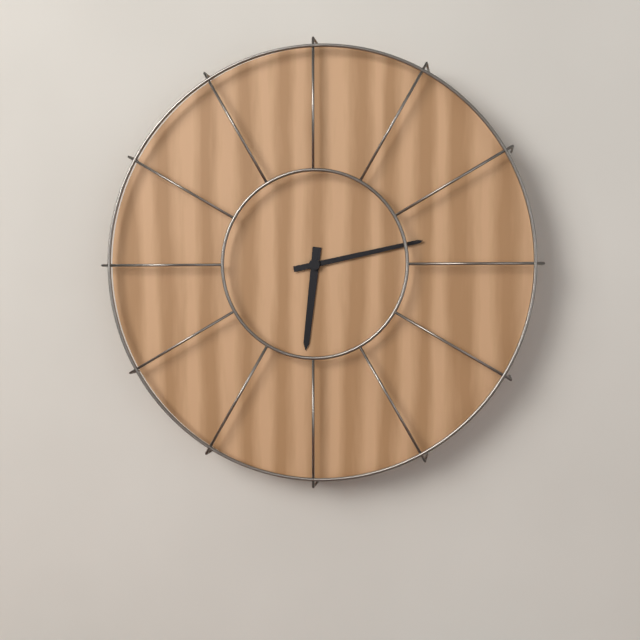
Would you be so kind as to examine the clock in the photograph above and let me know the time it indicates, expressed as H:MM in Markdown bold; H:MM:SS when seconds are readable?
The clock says **6:13**
